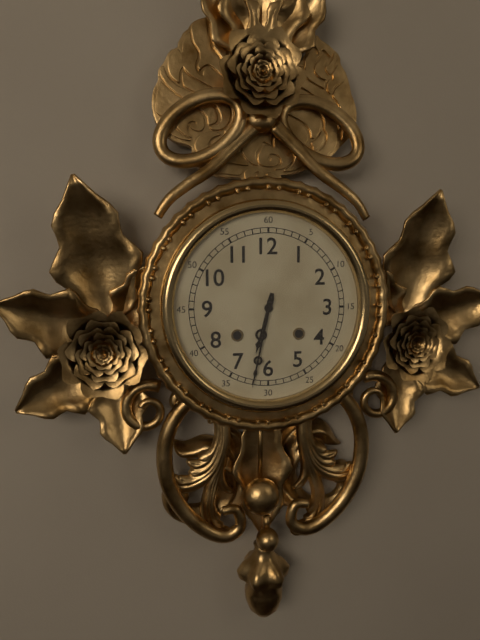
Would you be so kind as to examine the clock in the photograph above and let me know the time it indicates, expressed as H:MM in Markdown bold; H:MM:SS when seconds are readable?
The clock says **6:32**
